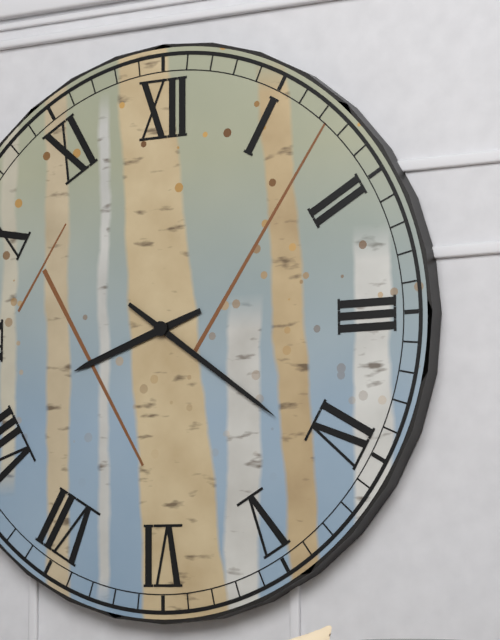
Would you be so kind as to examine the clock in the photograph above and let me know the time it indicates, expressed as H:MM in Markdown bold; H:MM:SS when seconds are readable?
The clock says **8:21**
